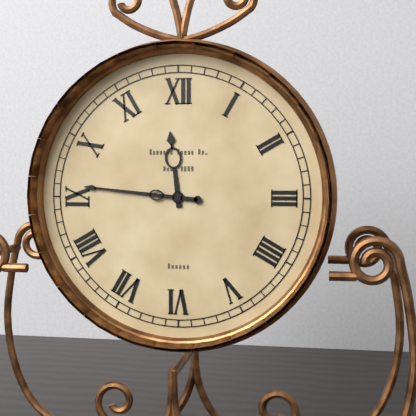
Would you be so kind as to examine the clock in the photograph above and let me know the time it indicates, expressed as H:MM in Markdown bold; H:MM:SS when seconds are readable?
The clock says **11:46**
